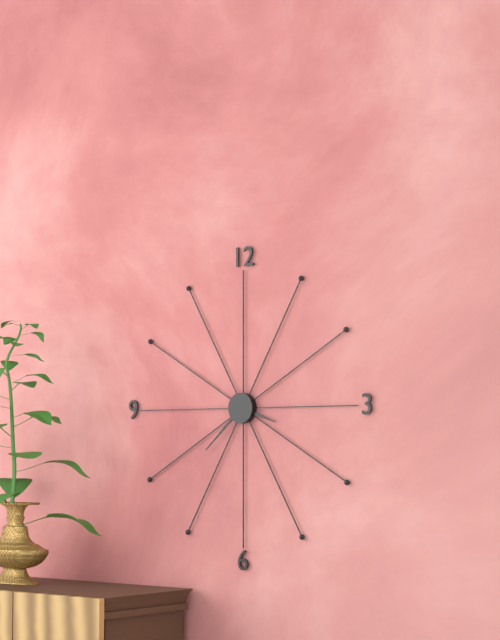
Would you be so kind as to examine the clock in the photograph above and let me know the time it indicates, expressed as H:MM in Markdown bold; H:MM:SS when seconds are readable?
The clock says **3:38**
